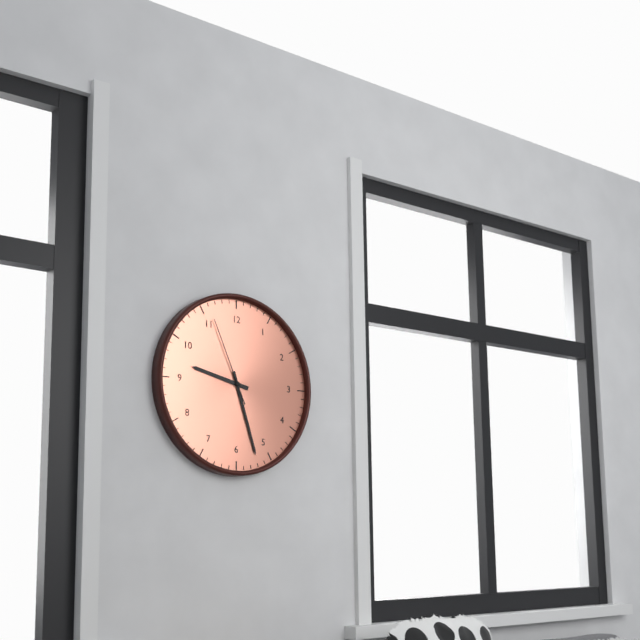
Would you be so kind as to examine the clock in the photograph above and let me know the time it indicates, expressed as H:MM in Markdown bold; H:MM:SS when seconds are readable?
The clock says **9:27:56**
